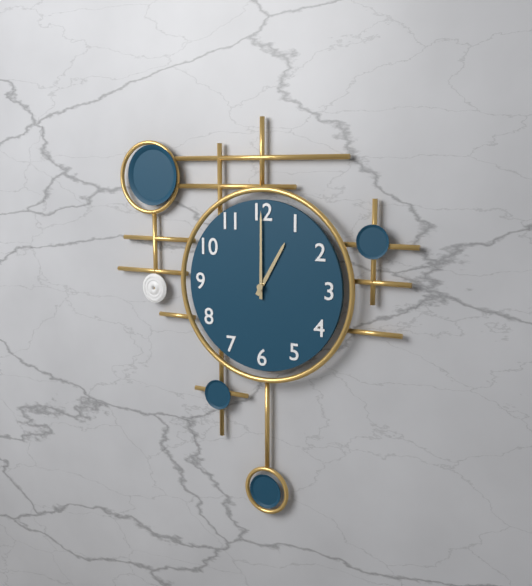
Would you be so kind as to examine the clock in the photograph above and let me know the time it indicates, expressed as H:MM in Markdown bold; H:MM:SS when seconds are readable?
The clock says **1:00**
